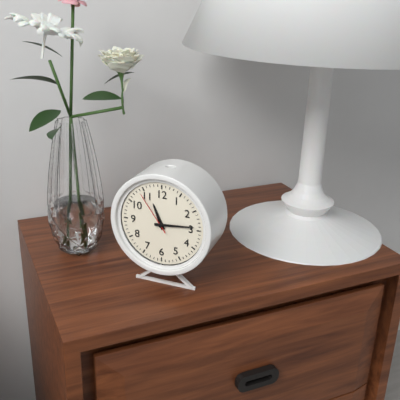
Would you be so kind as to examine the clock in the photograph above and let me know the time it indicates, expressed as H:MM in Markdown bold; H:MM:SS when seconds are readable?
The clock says **11:14**
